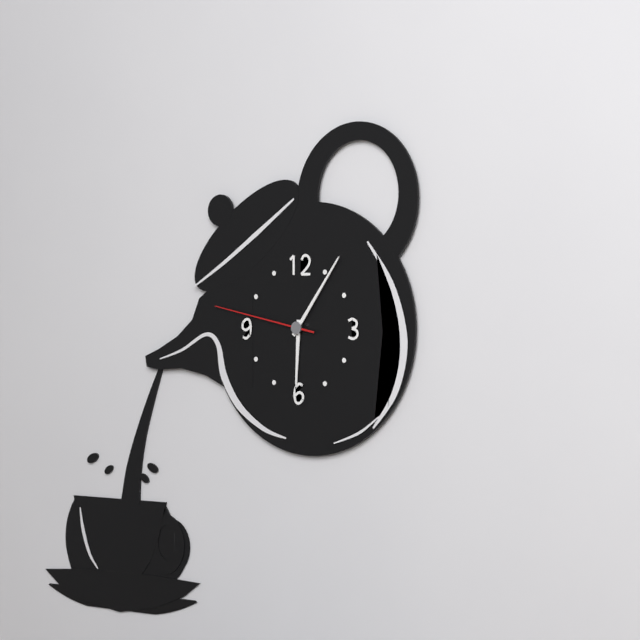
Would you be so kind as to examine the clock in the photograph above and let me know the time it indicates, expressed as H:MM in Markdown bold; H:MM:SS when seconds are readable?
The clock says **6:06:47**
